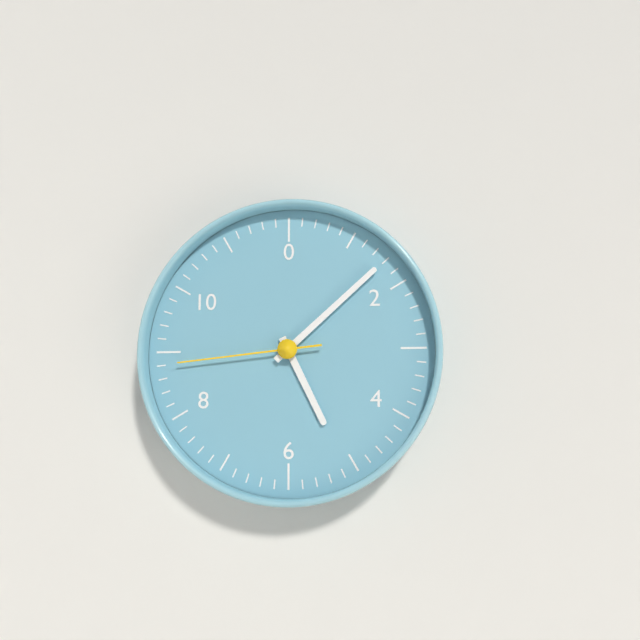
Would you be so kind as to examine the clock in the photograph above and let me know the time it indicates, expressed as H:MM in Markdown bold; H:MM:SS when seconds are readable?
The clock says **5:08:44**
